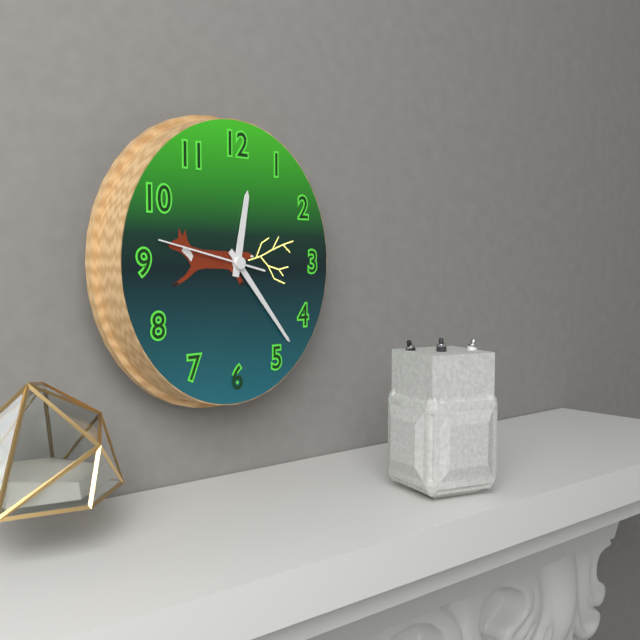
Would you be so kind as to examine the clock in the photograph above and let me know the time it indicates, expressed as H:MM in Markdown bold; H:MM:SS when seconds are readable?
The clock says **12:23:47**
